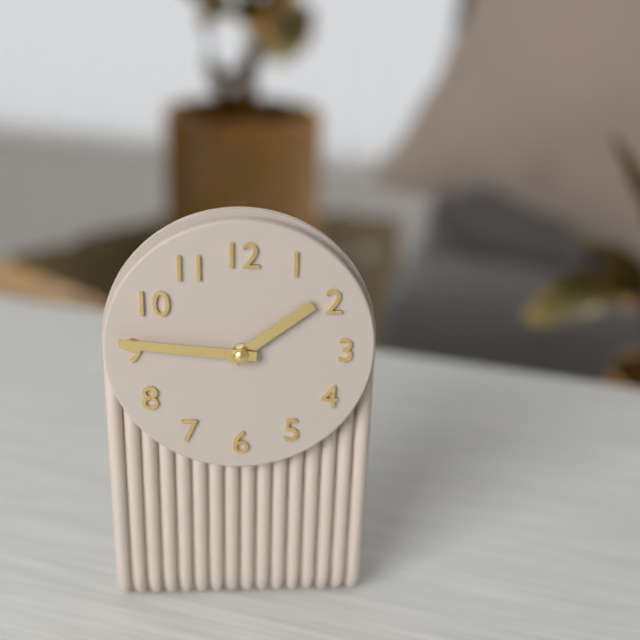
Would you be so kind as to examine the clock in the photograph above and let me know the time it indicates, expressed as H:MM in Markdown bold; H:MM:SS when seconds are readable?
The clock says **1:46**
